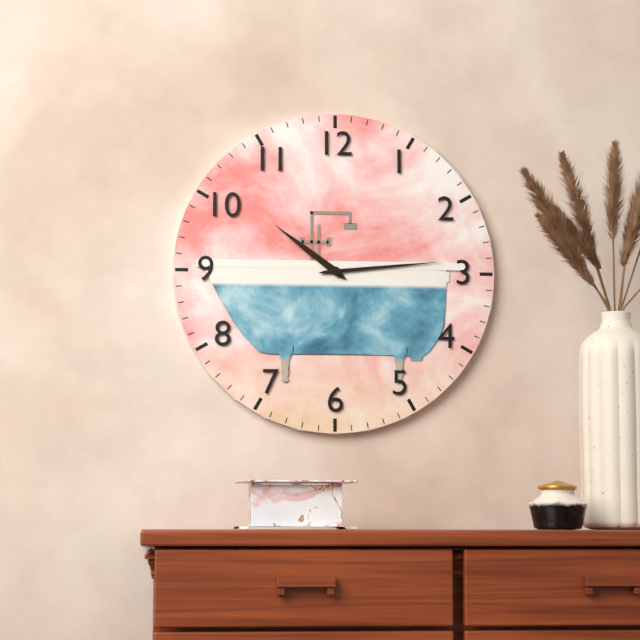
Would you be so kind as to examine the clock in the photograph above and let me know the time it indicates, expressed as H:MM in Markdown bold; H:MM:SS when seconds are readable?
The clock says **10:14**
